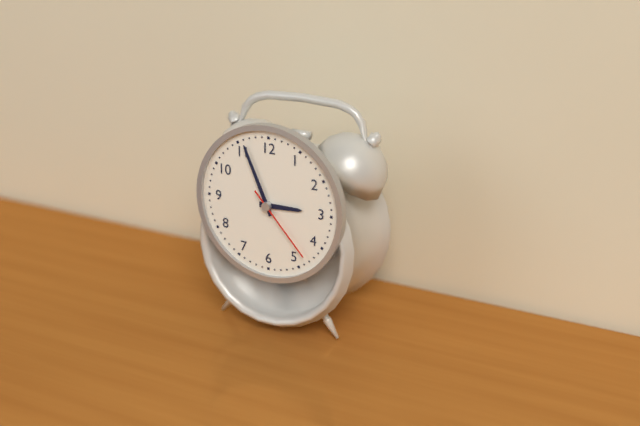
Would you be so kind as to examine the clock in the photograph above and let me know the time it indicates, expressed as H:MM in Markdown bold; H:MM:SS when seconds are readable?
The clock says **2:56:23**
